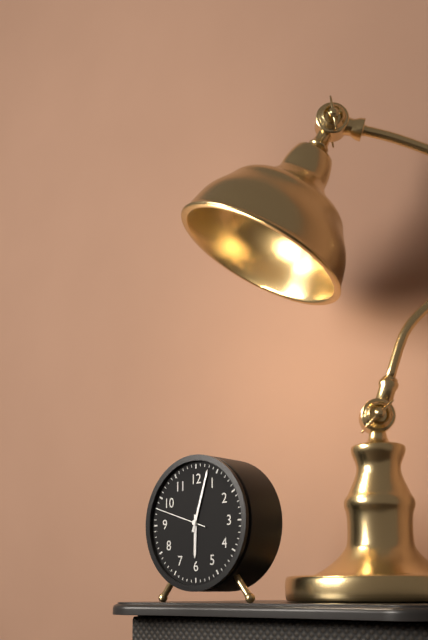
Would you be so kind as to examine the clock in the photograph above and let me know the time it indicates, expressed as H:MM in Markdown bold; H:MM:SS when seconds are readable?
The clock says **6:03:48**
